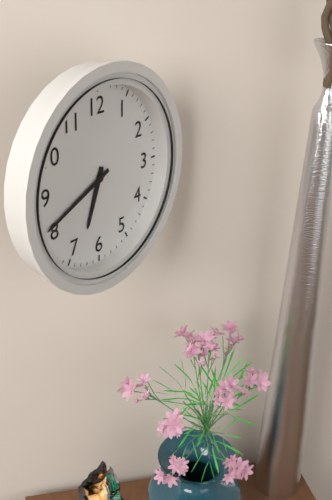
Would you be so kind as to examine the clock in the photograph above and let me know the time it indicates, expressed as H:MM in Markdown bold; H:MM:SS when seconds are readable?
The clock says **6:41**
